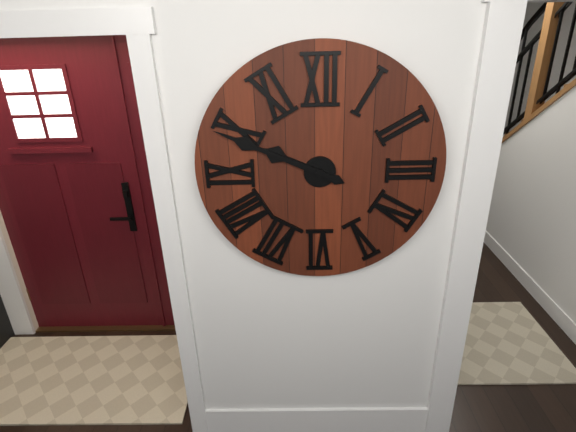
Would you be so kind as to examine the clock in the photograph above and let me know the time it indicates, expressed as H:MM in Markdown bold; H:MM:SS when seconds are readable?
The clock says **9:49**
